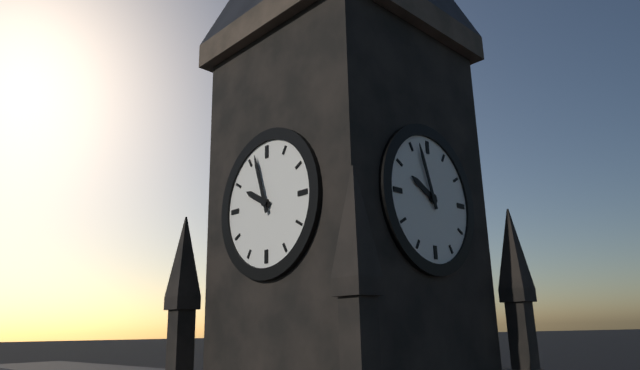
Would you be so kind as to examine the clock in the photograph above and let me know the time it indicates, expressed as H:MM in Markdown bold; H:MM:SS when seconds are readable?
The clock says **9:57**
